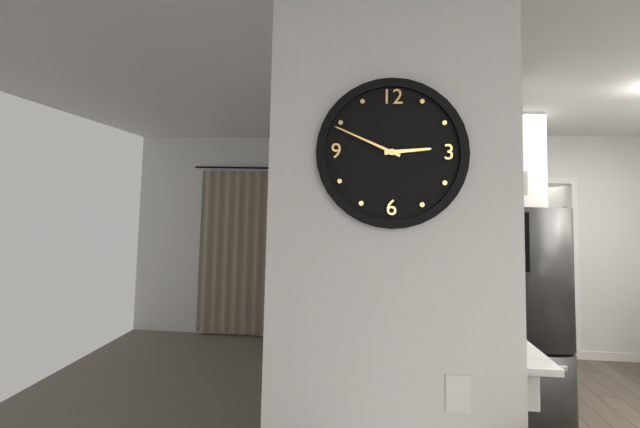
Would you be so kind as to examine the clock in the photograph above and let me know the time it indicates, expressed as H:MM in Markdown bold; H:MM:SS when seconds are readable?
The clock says **2:49**
